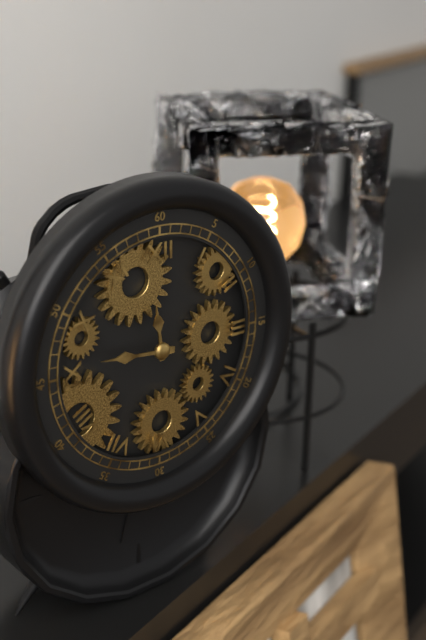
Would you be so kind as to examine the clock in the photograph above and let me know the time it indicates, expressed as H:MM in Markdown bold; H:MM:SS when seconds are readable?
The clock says **11:46**
